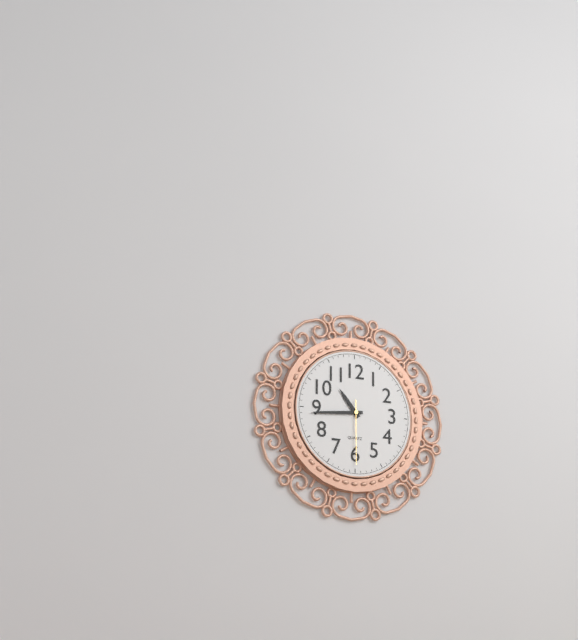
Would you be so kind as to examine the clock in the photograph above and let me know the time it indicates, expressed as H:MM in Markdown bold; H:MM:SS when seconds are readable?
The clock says **10:44:30**
